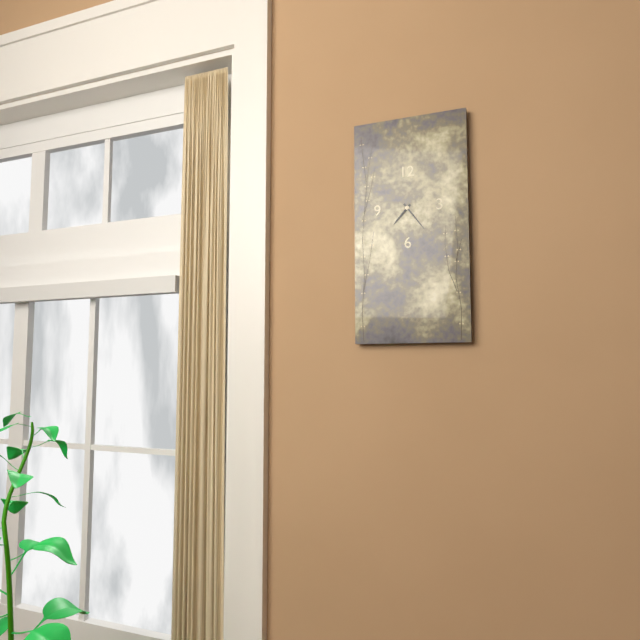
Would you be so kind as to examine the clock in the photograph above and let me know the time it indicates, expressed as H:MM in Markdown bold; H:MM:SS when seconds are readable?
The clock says **7:24**
